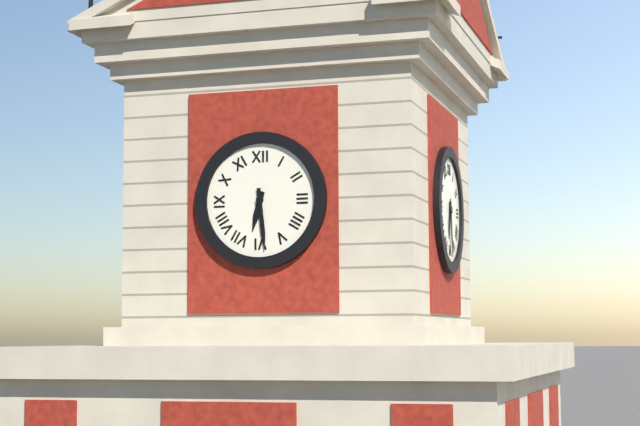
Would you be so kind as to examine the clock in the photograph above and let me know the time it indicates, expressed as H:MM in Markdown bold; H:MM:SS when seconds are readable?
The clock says **6:29**
